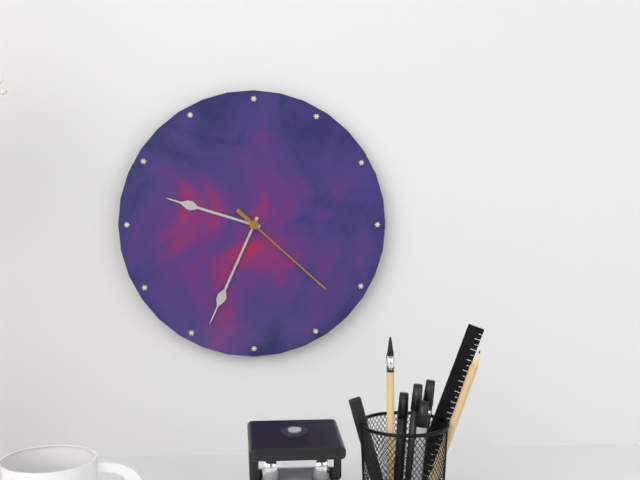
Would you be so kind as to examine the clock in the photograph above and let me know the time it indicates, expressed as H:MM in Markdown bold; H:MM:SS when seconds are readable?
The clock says **9:34:22**
